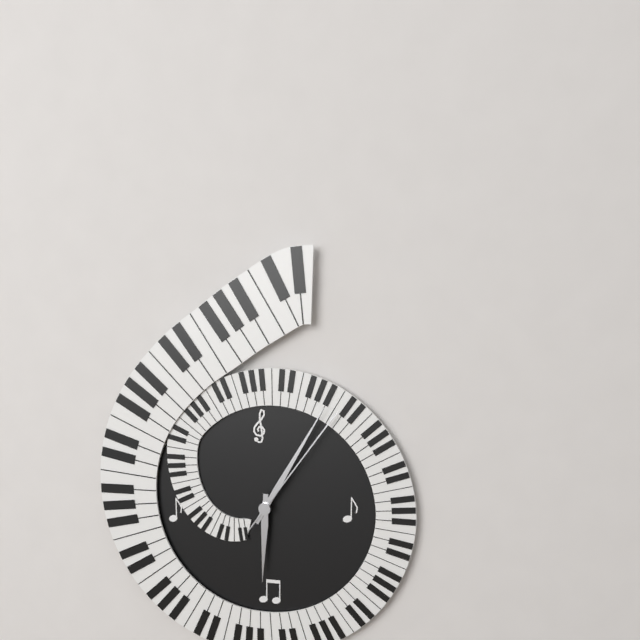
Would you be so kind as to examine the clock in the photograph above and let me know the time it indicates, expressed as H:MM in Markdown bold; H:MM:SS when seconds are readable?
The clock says **6:05:06**
